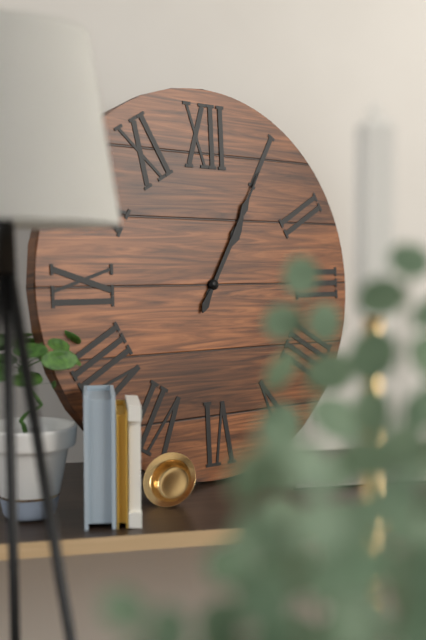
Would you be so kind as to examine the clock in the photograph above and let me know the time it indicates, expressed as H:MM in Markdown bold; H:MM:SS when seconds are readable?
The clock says **1:05**
